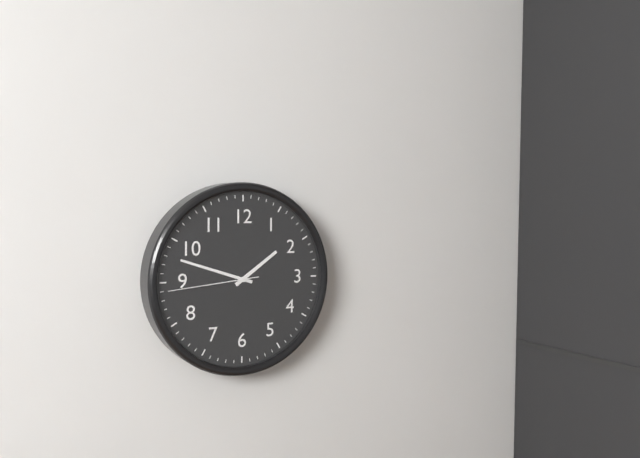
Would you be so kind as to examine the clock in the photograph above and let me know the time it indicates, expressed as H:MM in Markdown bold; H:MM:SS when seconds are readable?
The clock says **1:48:44**
